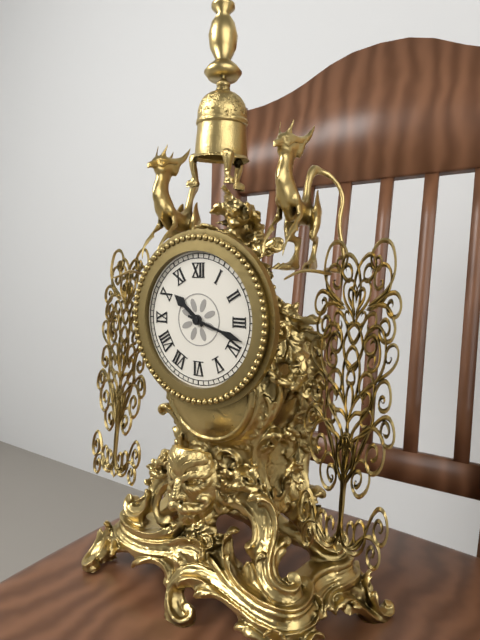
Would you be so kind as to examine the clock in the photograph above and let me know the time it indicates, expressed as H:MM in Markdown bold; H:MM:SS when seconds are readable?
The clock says **10:18**
